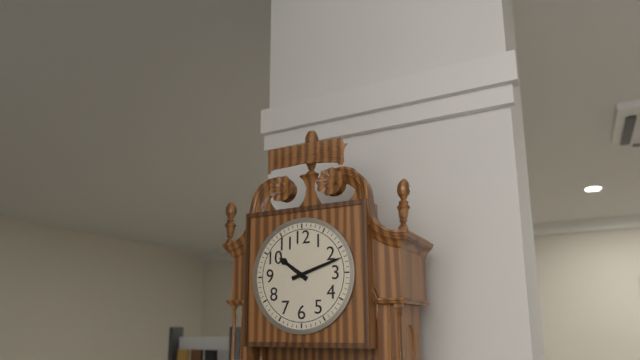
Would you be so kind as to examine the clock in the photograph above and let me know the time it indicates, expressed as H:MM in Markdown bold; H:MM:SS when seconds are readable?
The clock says **10:12**
